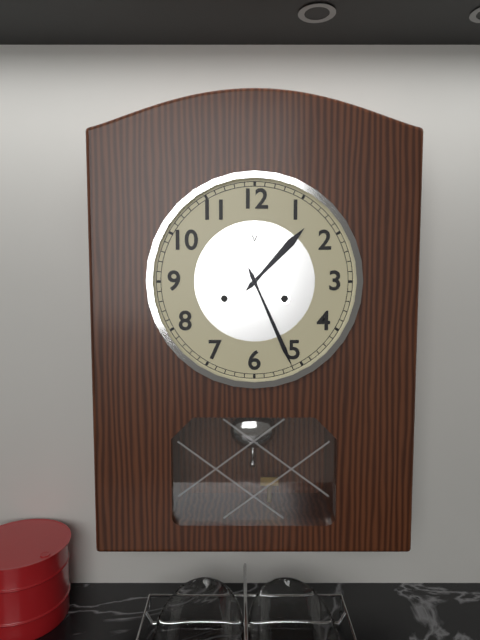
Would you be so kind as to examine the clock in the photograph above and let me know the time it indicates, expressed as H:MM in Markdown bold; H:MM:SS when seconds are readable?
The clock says **1:26**
